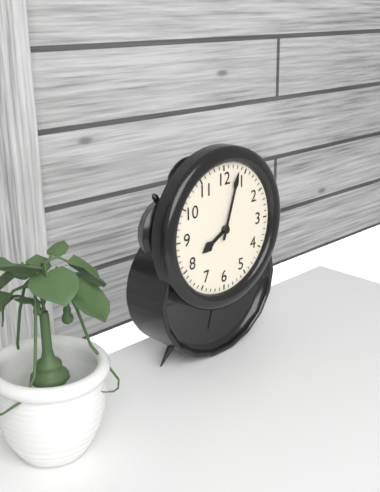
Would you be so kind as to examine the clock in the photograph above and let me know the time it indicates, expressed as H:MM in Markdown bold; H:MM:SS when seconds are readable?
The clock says **8:03**
